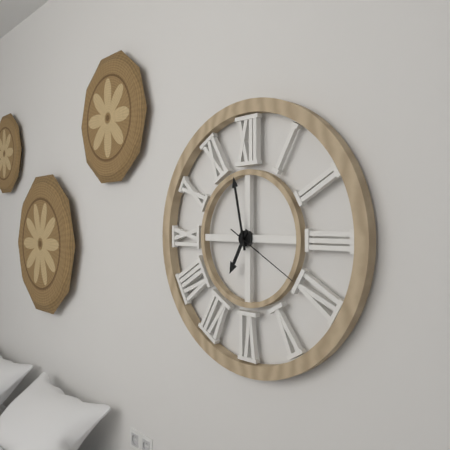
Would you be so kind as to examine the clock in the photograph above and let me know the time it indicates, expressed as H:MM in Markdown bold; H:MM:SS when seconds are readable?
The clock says **6:58:20**
